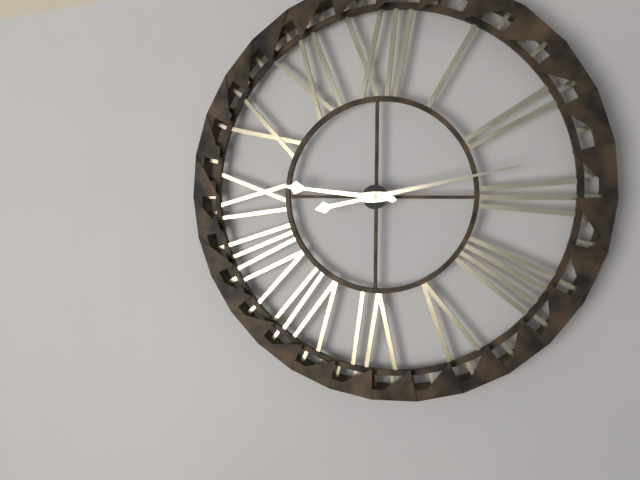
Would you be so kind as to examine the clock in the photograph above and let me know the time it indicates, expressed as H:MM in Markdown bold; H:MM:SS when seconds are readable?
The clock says **9:13**
